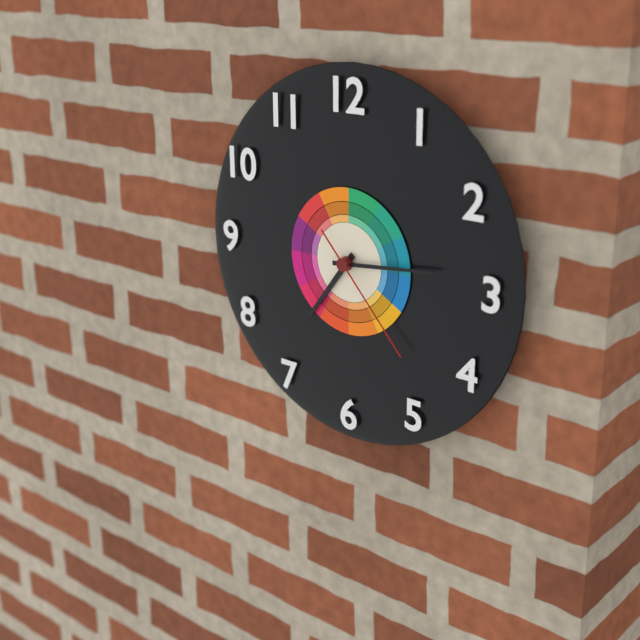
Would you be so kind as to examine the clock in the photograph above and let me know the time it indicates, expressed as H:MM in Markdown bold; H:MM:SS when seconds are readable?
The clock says **7:14:23**
